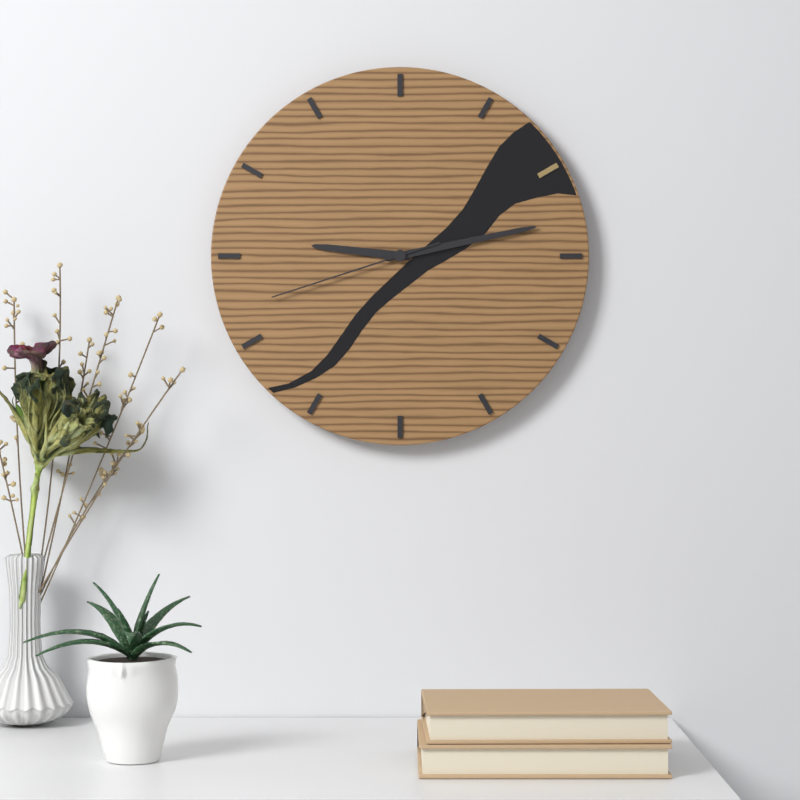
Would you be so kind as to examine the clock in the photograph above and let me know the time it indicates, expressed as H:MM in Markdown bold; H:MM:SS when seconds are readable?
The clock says **9:13:42**
